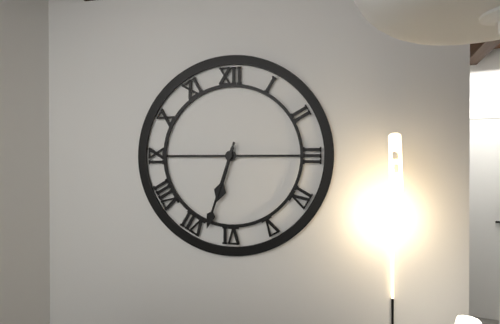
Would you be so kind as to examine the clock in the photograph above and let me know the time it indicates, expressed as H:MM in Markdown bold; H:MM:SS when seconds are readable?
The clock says **6:33**
